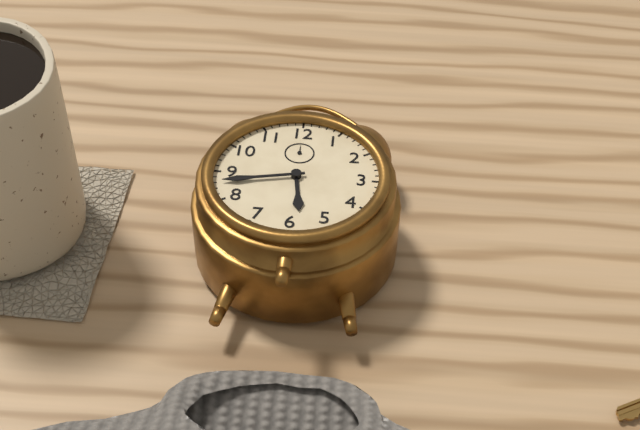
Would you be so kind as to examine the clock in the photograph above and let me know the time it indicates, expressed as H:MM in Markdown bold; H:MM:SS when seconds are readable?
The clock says **5:43**
